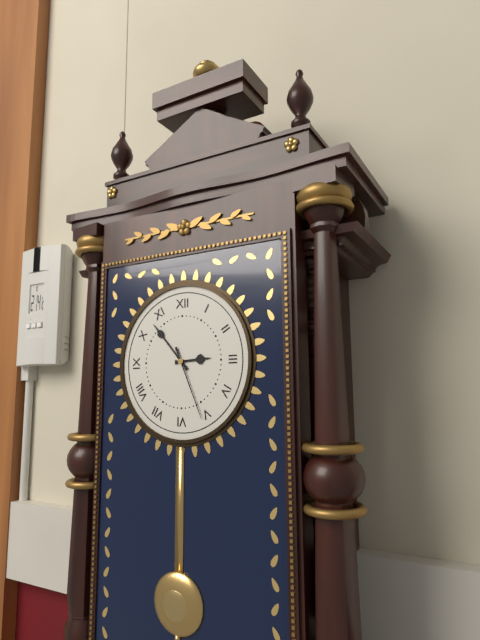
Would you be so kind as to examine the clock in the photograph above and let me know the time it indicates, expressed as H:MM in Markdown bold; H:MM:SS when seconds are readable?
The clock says **2:53:26**
